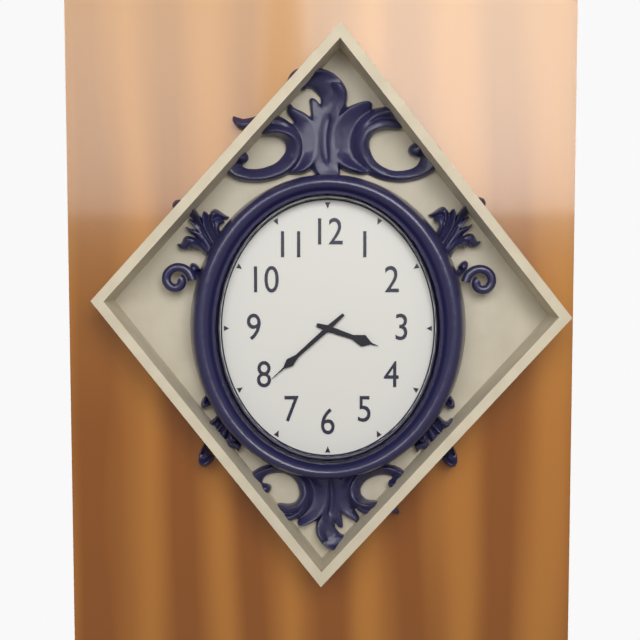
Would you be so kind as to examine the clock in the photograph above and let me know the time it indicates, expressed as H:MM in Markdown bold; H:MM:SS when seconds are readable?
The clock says **3:38**
